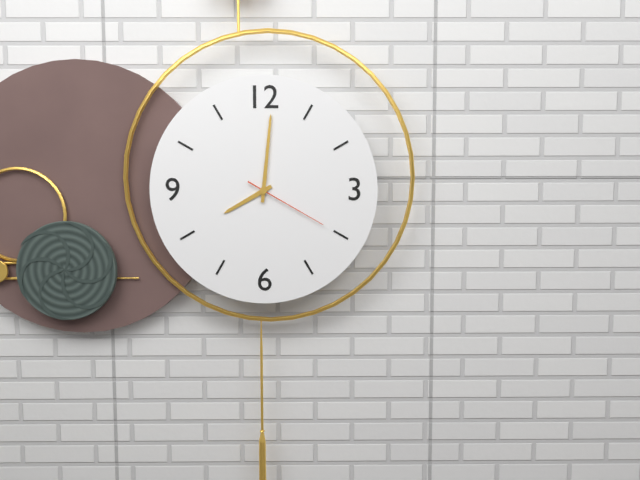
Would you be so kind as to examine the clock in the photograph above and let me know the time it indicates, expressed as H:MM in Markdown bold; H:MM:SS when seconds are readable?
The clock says **8:01:20**
